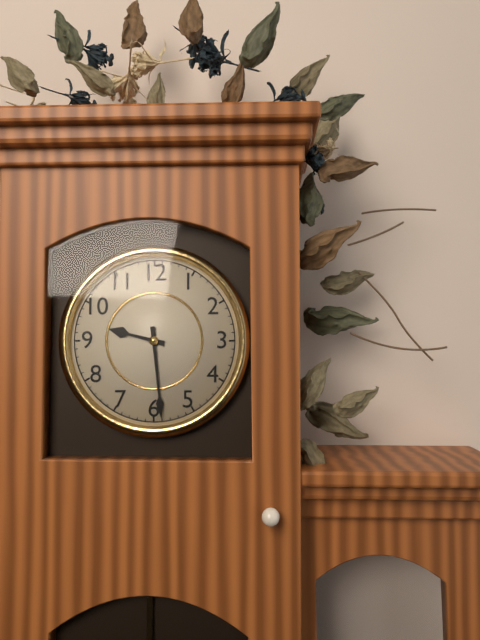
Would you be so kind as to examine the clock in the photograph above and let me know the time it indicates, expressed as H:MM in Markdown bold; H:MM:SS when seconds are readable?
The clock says **9:29**
